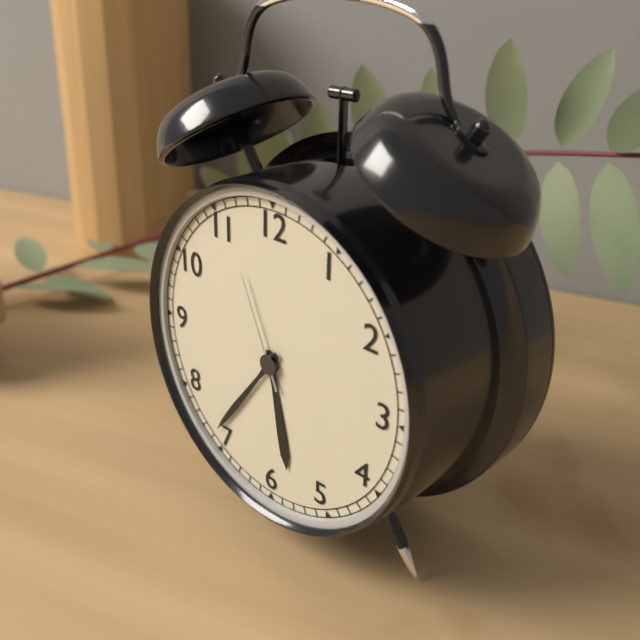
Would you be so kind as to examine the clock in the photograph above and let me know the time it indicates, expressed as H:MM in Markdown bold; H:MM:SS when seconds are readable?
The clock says **5:36:56**
